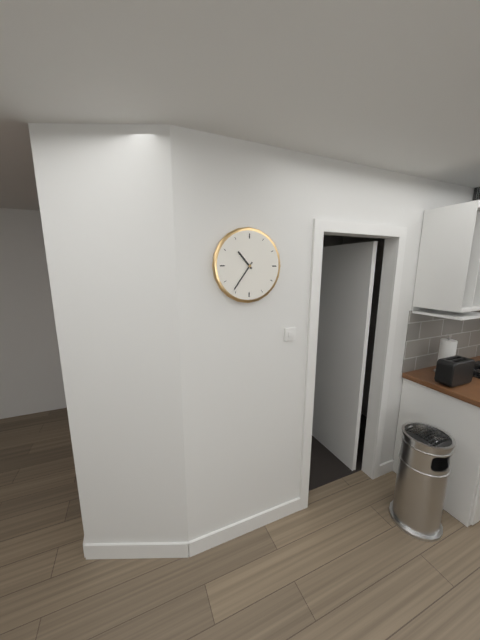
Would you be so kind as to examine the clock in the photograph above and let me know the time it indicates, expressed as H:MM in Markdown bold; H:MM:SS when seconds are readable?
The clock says **10:36**
